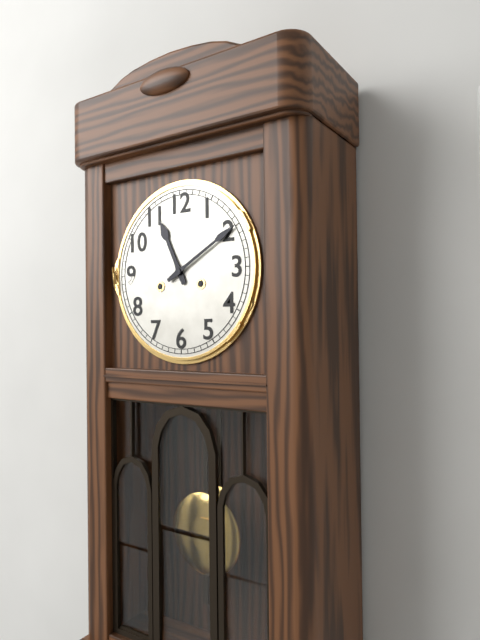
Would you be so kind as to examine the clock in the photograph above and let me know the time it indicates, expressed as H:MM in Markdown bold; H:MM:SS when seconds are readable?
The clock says **11:10**
